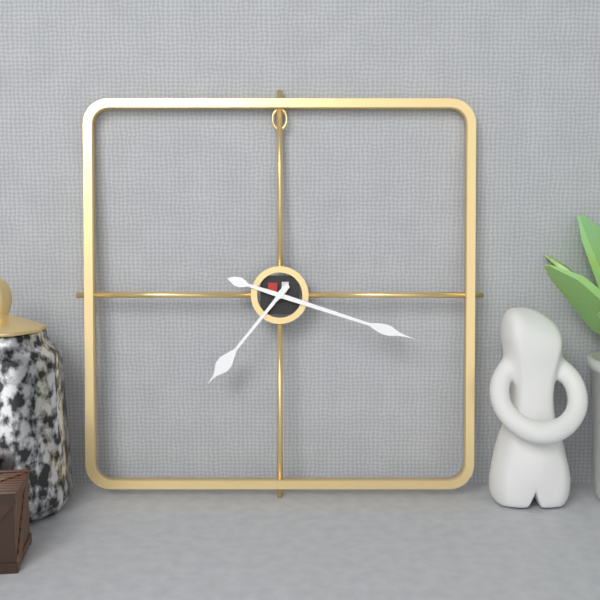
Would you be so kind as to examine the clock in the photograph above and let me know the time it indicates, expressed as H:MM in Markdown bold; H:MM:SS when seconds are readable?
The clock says **7:18**
